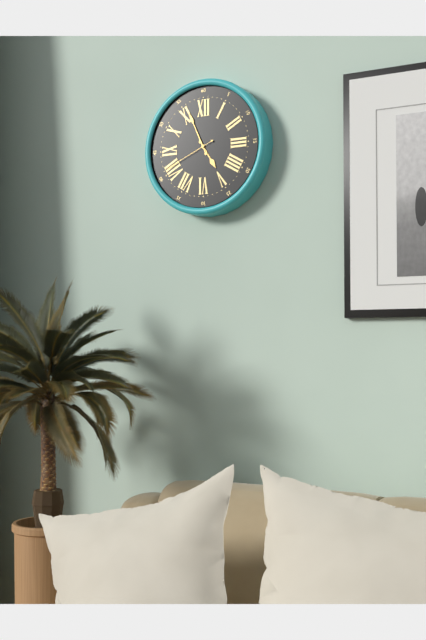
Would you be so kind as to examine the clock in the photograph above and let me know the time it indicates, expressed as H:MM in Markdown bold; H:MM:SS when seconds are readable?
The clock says **4:56:41**
